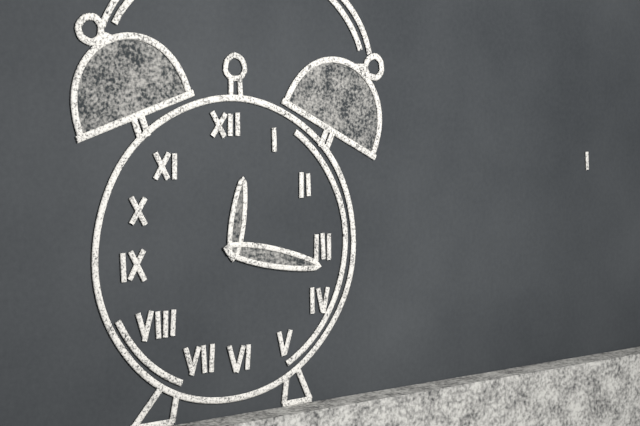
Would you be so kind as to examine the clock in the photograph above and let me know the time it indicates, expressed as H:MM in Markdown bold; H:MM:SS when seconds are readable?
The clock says **12:17**
